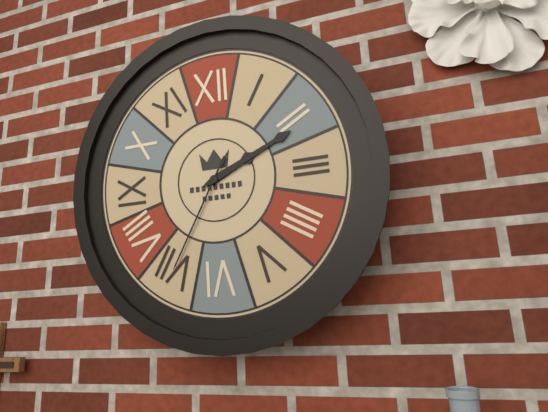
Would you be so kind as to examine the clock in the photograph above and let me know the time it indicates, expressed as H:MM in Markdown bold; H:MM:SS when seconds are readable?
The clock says **2:11:35**
